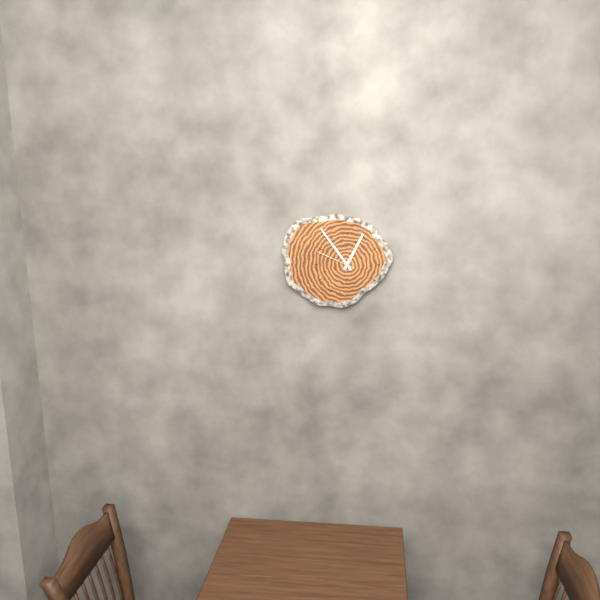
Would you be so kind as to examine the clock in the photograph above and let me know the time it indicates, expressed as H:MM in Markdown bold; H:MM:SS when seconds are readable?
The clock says **12:54**
